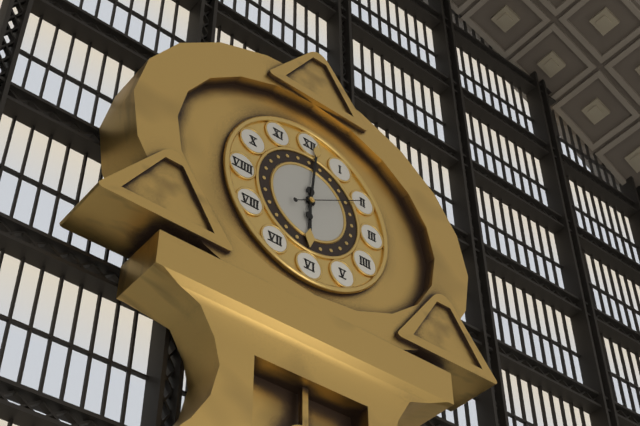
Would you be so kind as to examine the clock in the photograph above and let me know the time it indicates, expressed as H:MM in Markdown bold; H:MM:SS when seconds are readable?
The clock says **6:01:10**
